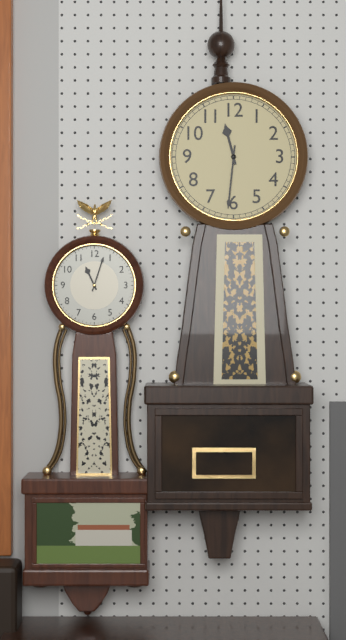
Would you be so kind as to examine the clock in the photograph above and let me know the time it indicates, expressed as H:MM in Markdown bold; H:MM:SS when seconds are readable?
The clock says **11:31**
